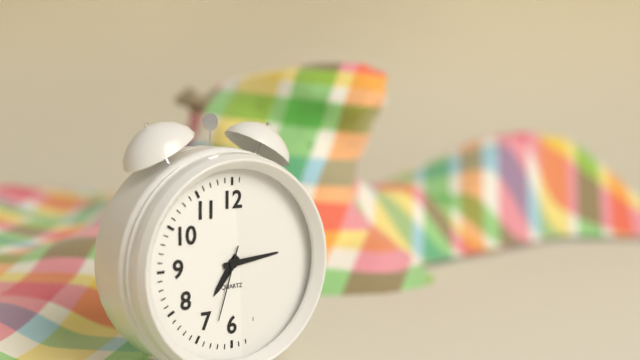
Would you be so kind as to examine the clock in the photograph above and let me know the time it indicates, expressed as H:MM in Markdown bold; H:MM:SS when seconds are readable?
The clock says **7:14:33**
